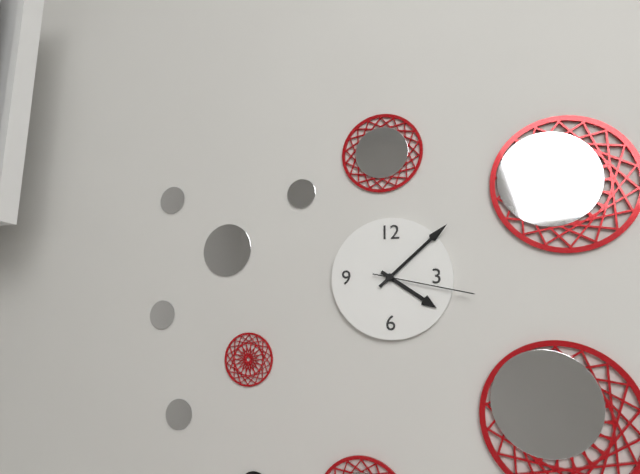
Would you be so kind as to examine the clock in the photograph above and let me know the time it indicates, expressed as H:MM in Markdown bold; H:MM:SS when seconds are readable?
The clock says **4:08:17**
